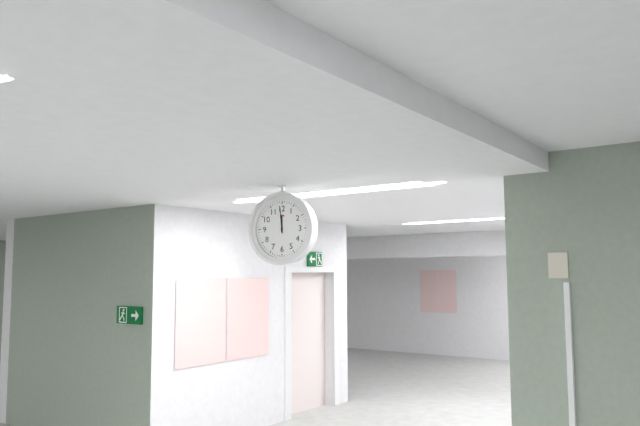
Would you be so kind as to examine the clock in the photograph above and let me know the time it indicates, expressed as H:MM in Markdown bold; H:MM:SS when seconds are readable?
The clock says **11:59**
